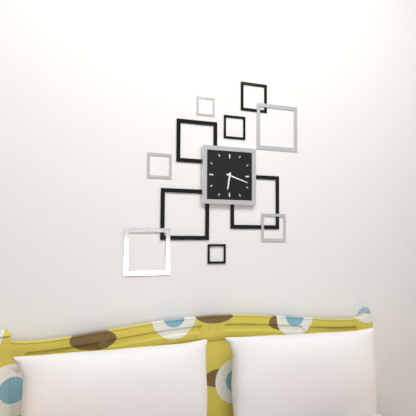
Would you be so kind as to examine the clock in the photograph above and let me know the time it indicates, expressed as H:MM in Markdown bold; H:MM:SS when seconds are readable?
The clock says **6:18**
